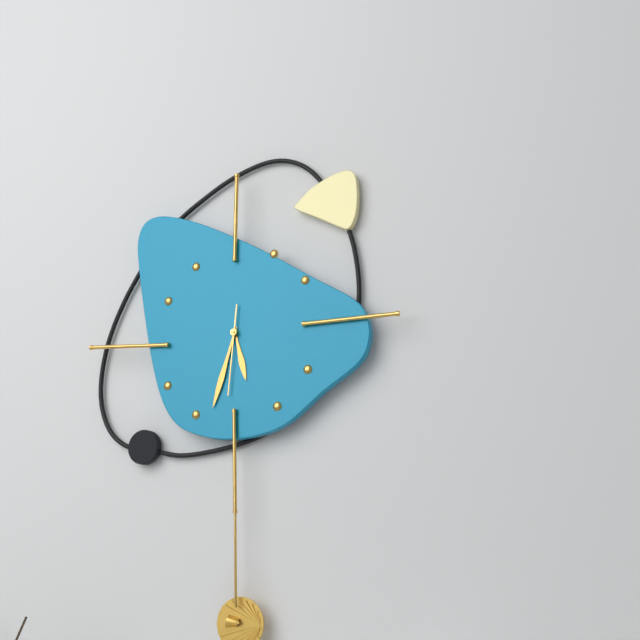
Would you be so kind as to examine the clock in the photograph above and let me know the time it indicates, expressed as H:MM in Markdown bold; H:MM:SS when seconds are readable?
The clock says **5:33:31**
